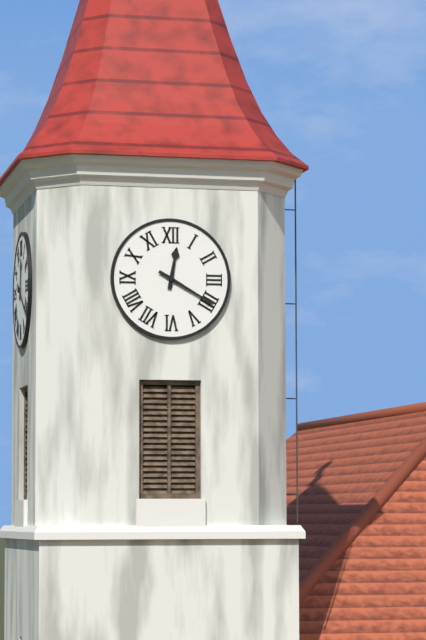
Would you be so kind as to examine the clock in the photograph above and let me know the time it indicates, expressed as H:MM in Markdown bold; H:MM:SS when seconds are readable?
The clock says **12:20**
